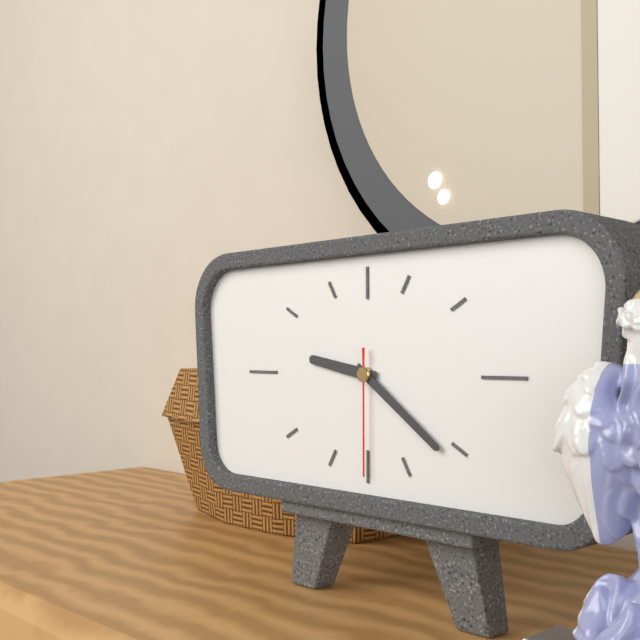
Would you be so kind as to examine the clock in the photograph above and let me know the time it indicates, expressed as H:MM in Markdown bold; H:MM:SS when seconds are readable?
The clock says **9:21:30**
